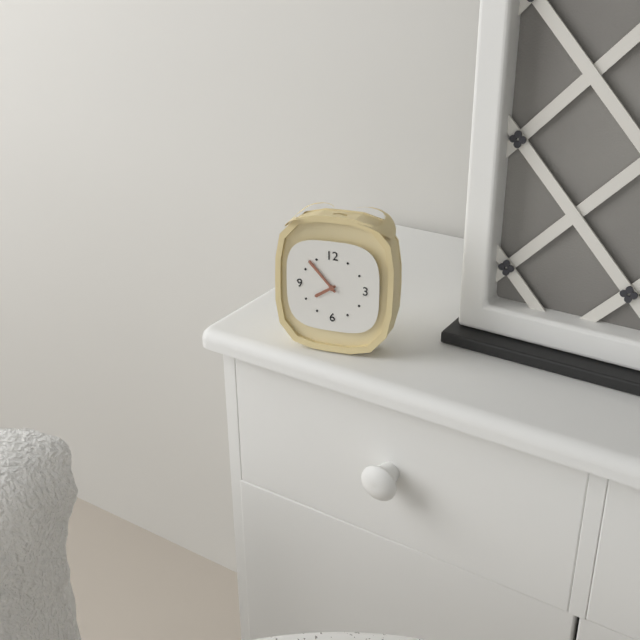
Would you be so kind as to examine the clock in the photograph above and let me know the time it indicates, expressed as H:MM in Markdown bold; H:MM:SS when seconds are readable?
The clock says **7:53**
